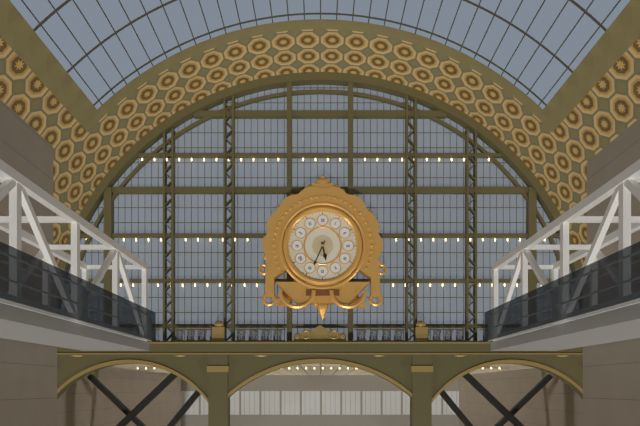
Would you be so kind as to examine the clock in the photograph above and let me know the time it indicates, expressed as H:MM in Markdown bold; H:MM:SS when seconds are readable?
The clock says **5:34**
